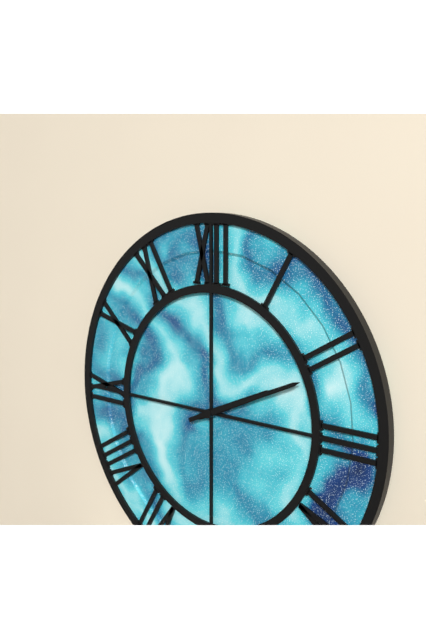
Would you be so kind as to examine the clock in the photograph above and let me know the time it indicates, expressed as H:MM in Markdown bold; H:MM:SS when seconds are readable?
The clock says **2:11**
